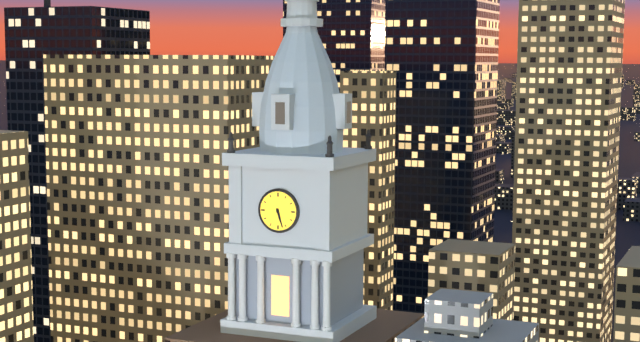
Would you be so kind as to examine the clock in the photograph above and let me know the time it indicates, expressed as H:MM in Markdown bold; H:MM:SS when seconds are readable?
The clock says **5:27**
